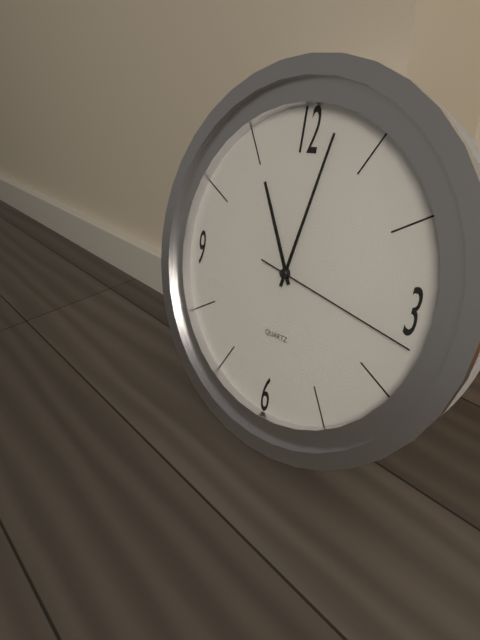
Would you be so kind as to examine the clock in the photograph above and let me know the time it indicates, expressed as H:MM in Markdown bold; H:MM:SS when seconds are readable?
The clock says **11:02:17**
